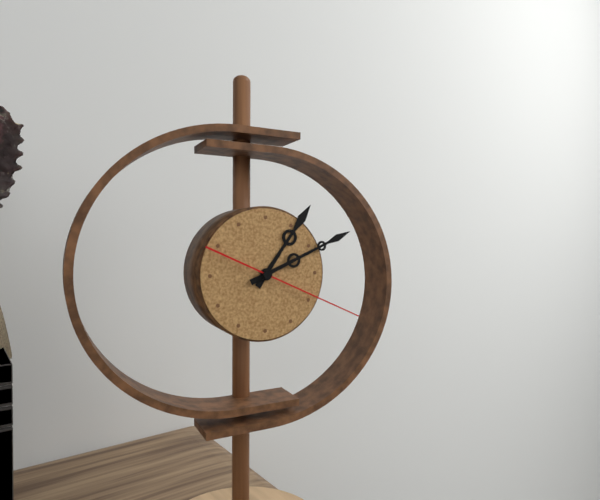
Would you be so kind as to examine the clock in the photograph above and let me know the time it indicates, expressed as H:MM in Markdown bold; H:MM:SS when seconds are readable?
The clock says **1:11:19**
